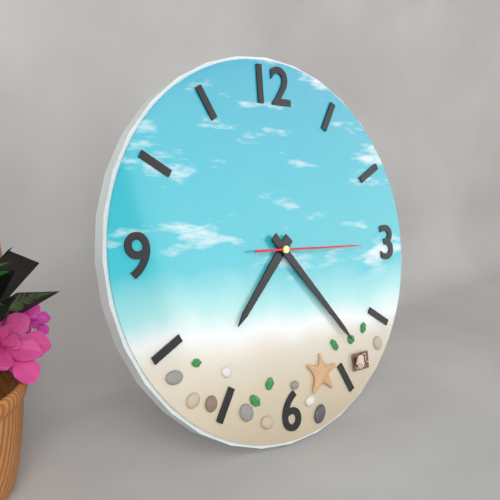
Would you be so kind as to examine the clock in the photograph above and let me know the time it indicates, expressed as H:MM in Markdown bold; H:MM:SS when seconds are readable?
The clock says **7:23:15**
